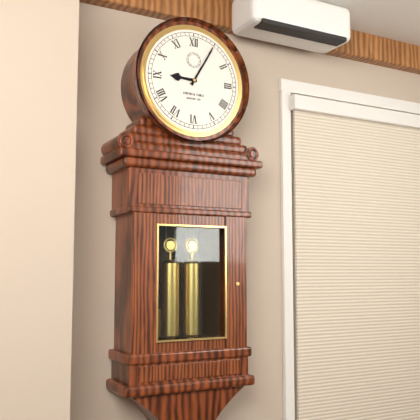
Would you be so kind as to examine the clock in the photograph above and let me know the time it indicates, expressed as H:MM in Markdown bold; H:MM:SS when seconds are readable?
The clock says **9:05**
